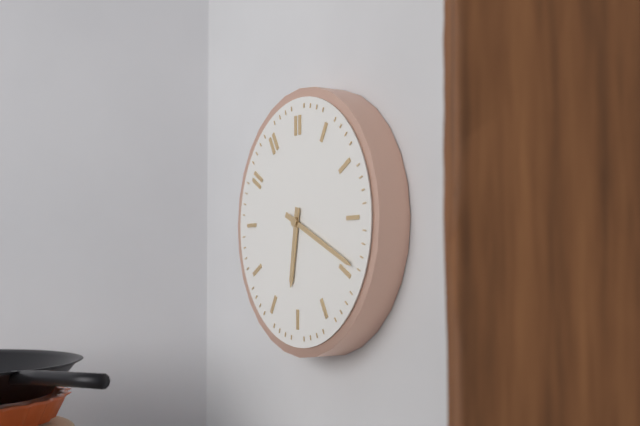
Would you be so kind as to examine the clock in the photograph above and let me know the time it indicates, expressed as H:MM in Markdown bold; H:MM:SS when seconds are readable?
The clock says **6:19**
